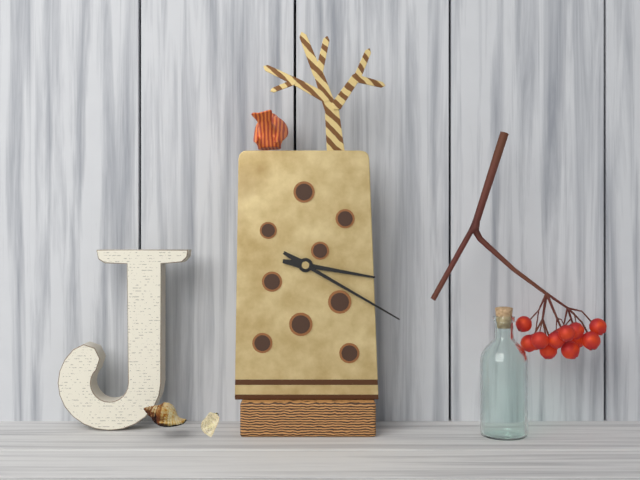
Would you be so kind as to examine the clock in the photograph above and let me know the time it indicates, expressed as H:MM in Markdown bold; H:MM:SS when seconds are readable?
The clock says **3:20**
